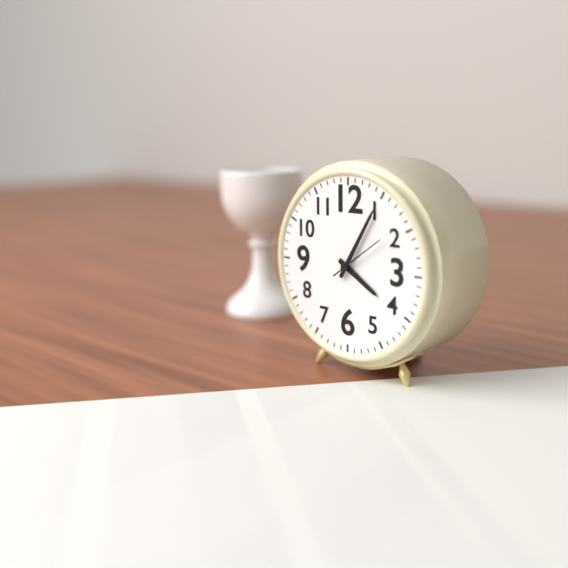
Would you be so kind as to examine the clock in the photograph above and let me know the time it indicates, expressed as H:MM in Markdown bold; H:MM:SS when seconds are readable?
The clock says **4:05:09**
